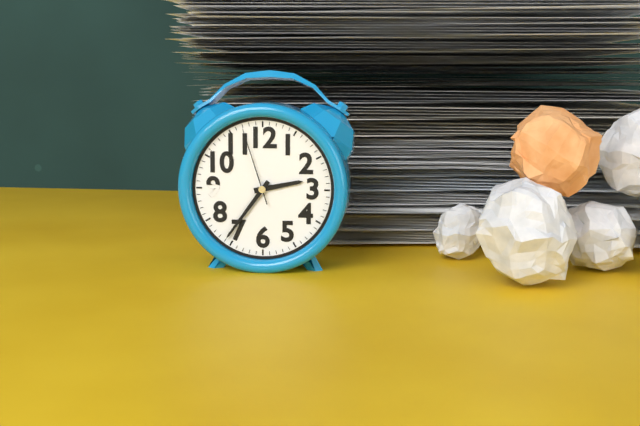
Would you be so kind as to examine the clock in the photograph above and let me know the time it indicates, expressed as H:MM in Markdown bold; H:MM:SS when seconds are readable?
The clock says **2:36:57**
